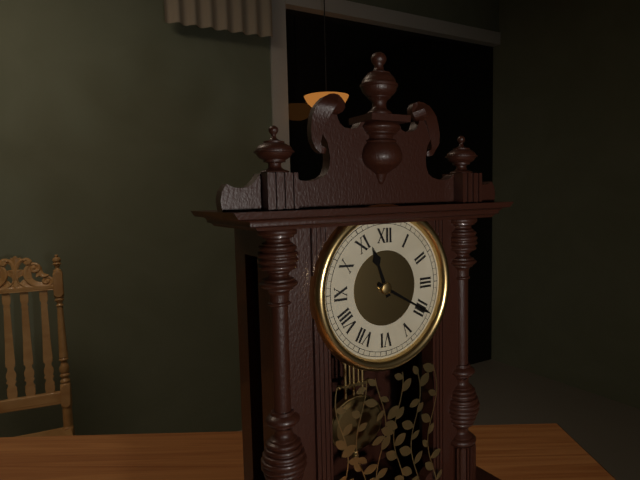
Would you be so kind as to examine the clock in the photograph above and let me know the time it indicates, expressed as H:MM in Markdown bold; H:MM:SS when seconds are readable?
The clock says **11:20**
